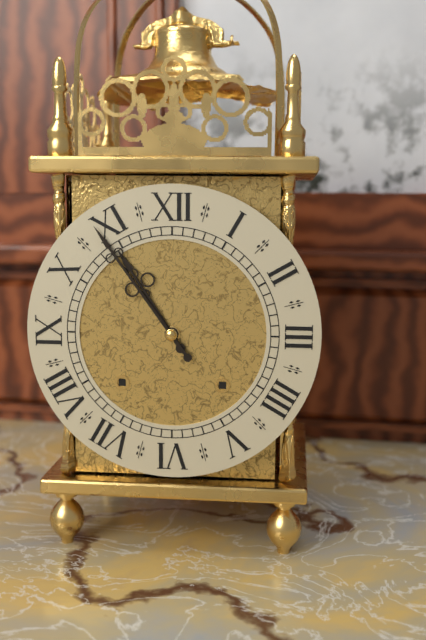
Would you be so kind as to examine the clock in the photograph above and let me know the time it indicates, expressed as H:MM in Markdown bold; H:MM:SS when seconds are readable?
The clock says **10:54**
